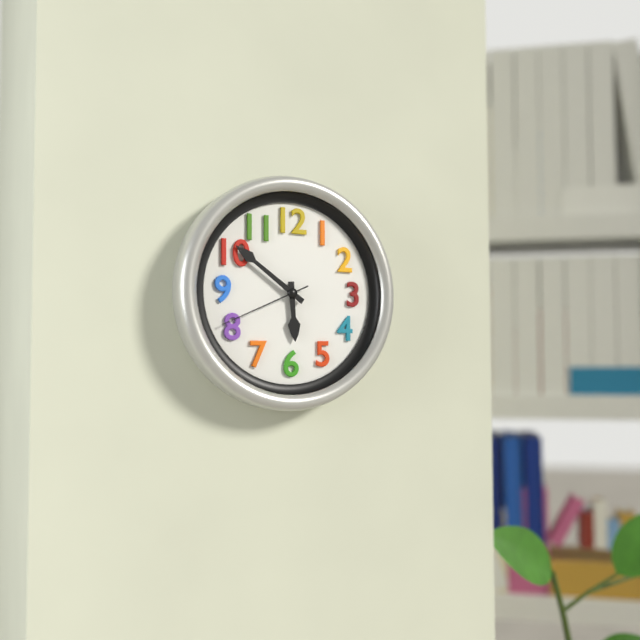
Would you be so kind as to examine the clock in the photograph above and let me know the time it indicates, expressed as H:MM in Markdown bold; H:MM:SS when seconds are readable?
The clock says **5:51:41**
